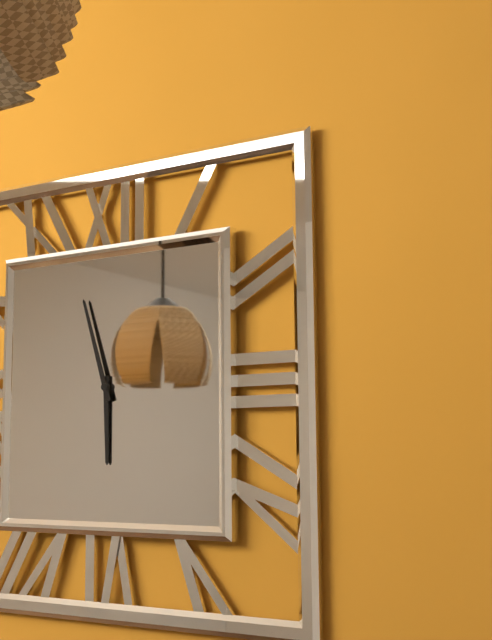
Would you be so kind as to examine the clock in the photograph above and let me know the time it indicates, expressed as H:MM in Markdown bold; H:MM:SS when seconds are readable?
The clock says **5:57**
